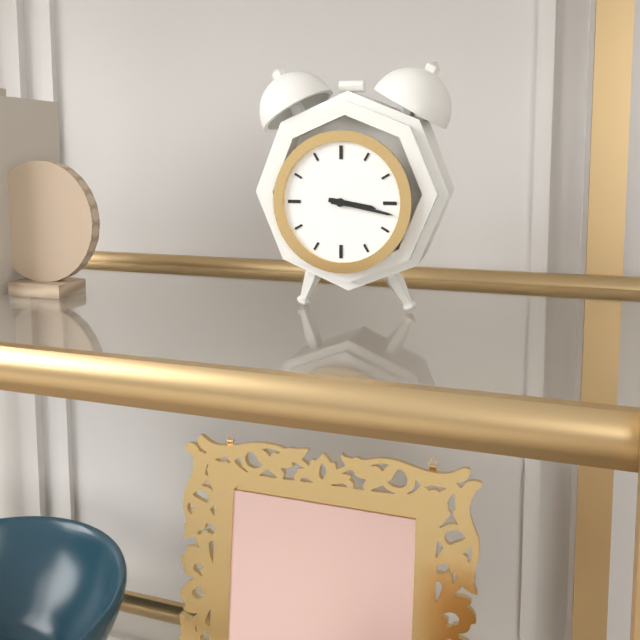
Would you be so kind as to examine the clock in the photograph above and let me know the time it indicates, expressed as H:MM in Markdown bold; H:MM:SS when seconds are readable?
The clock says **3:17**
